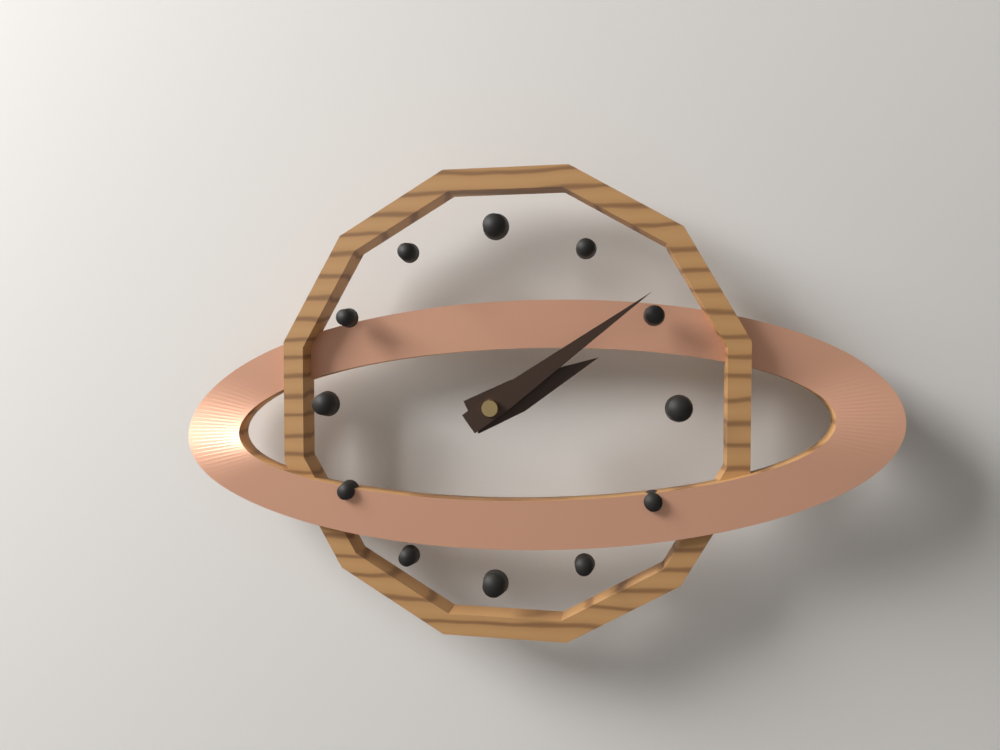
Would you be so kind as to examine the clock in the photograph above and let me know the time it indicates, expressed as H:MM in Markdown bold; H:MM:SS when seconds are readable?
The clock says **2:09**
